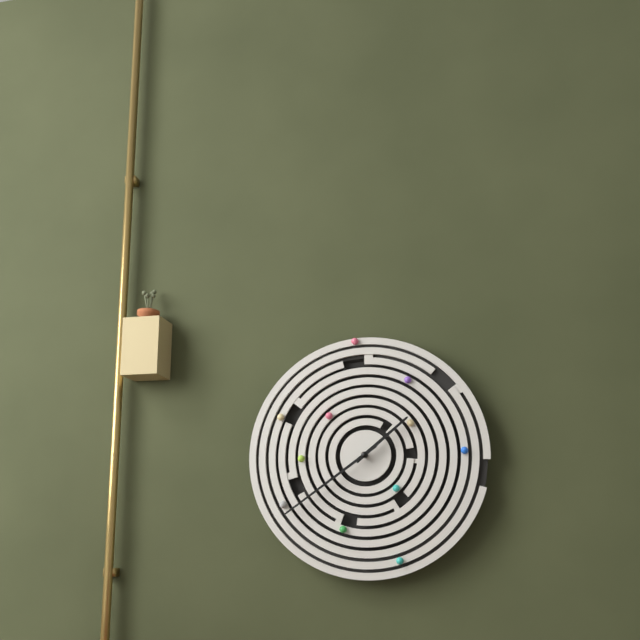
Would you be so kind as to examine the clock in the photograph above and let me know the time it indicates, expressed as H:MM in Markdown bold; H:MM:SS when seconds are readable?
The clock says **1:39**
